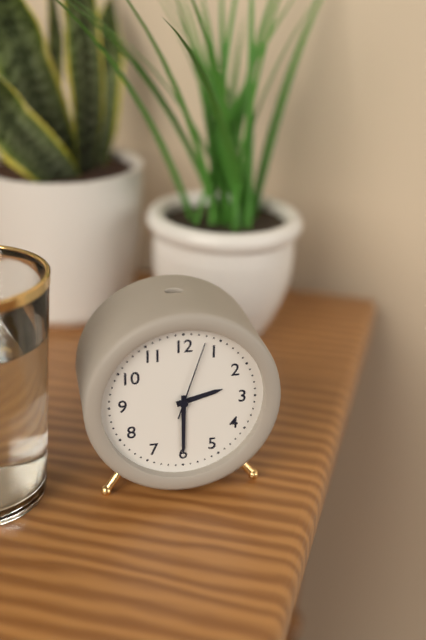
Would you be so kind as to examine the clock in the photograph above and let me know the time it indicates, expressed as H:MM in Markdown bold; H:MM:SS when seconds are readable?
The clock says **2:30:03**
